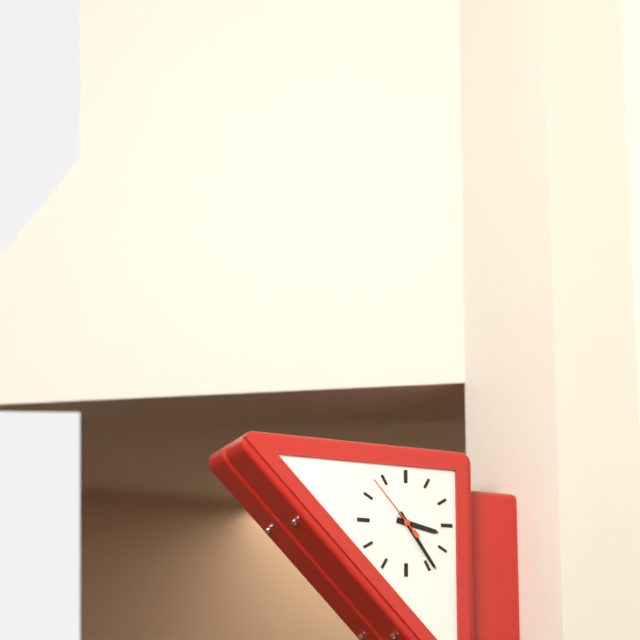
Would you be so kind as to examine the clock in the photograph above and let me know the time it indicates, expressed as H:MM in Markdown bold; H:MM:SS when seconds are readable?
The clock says **3:24:53**
